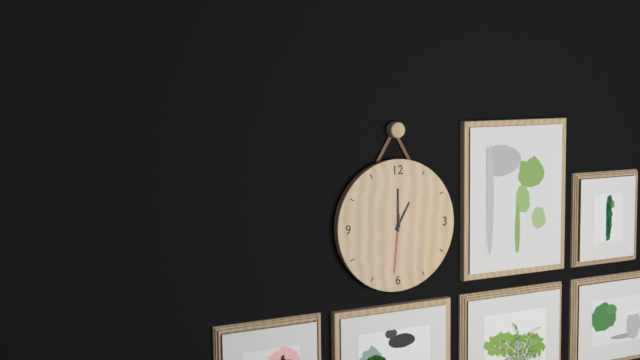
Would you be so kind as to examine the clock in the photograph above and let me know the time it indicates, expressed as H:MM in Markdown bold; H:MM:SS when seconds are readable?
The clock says **1:00:31**
